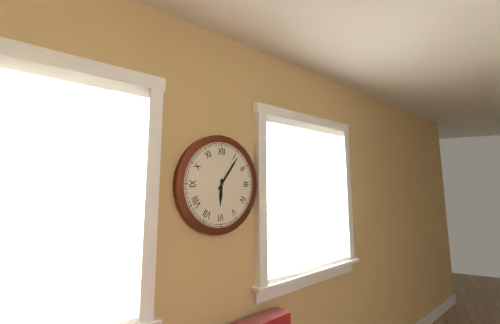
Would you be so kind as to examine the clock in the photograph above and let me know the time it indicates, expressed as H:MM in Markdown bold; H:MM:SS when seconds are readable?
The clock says **6:06**
